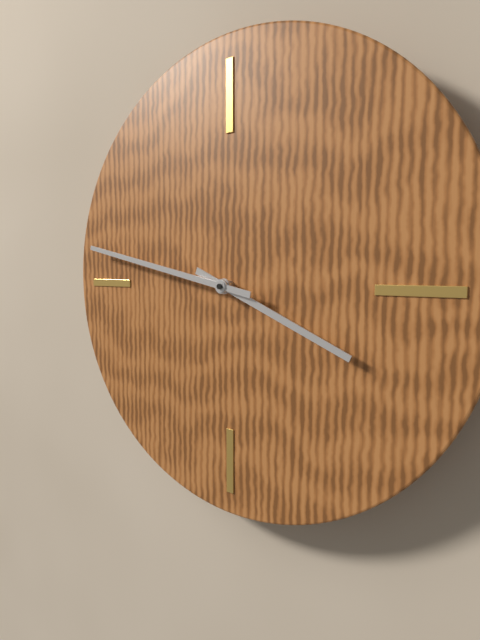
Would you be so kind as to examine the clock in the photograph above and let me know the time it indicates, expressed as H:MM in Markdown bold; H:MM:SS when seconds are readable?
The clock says **3:47**
